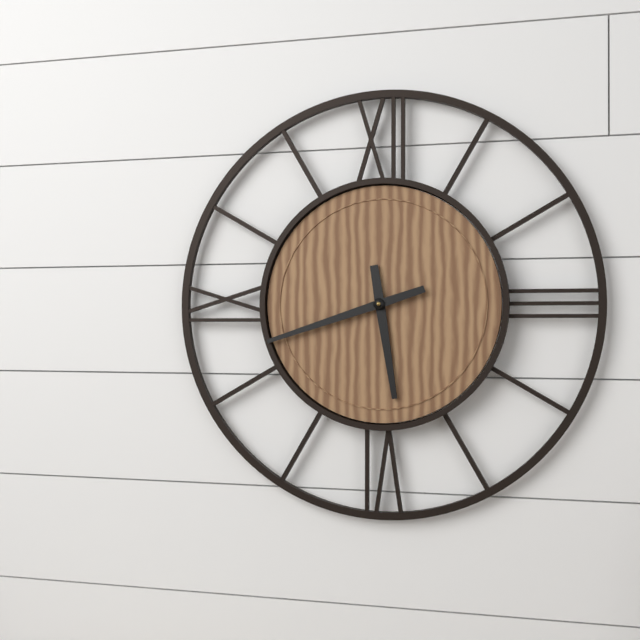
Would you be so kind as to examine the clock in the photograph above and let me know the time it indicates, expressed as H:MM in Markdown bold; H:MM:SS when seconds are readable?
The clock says **5:42**
